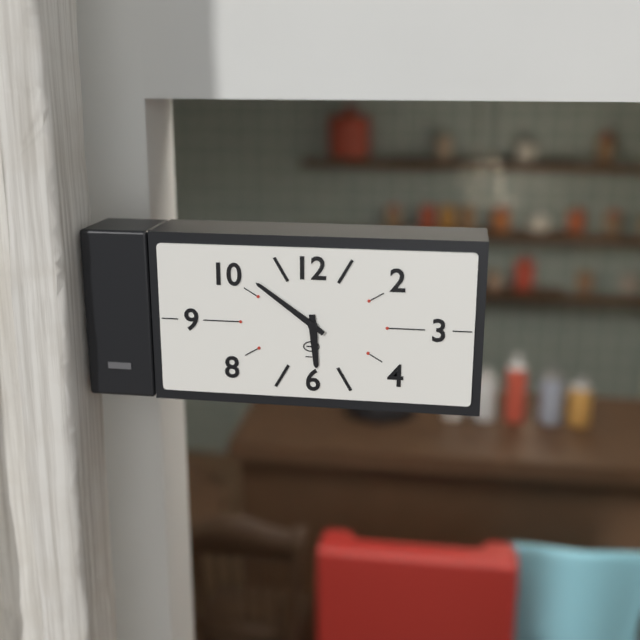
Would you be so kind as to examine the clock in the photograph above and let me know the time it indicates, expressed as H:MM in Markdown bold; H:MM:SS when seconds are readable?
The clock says **5:51**
